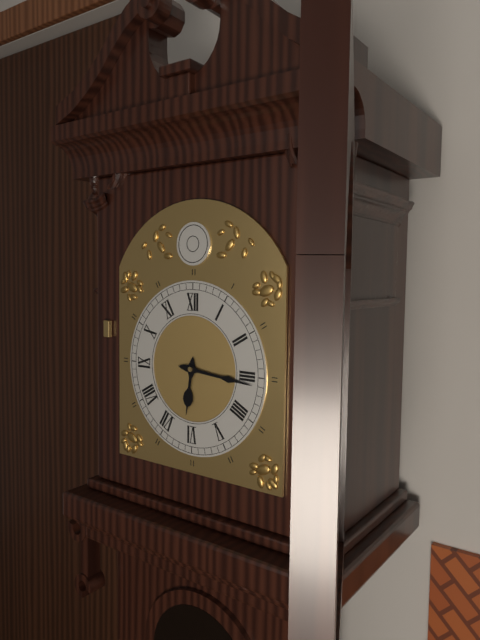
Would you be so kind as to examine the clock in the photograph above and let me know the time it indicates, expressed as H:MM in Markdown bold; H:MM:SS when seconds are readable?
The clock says **6:16**
